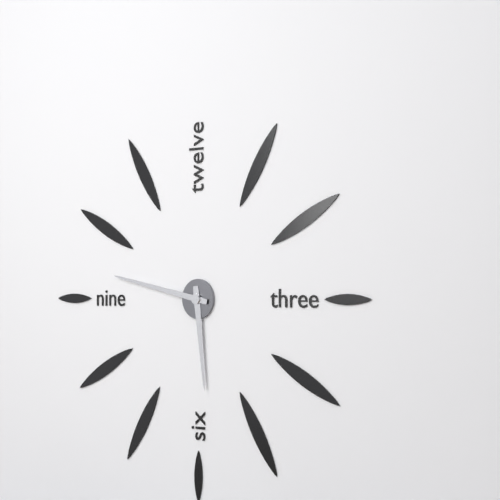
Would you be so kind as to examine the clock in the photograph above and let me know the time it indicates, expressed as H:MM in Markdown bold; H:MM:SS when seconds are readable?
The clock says **5:47**
